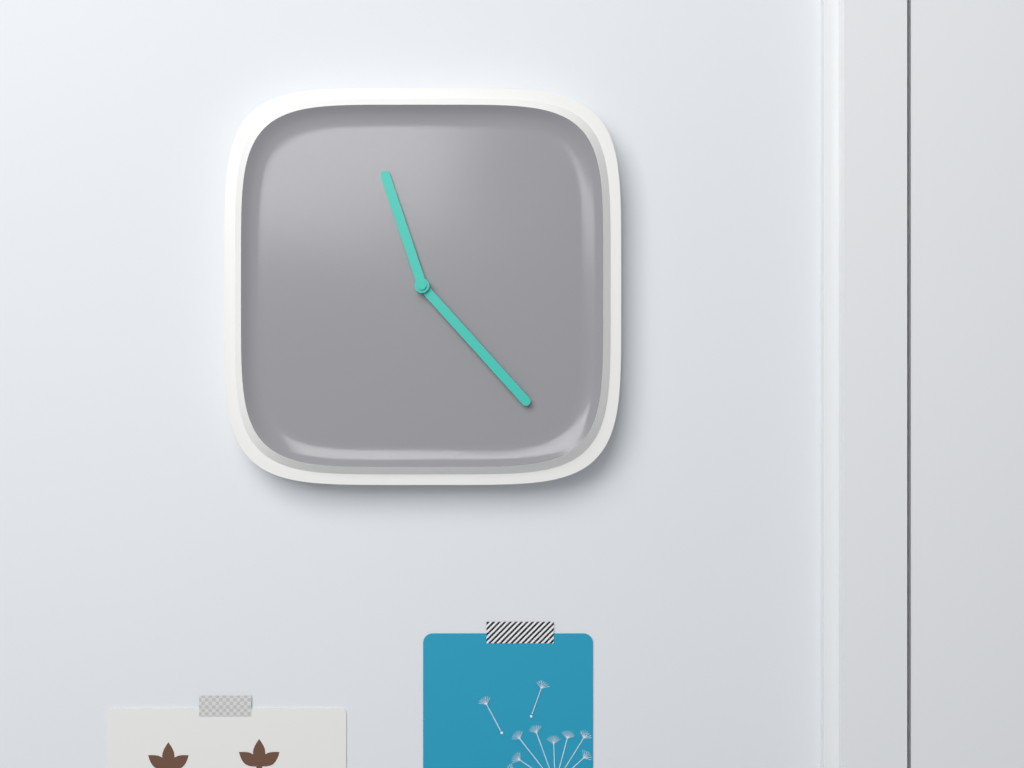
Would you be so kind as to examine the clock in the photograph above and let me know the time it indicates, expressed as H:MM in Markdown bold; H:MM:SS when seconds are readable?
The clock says **11:23**
